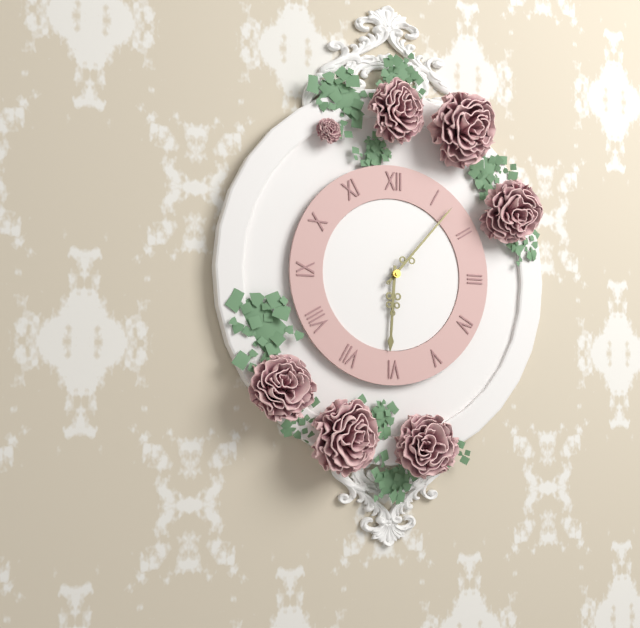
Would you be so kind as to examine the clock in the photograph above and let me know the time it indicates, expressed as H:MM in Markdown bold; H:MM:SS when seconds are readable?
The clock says **6:07**
